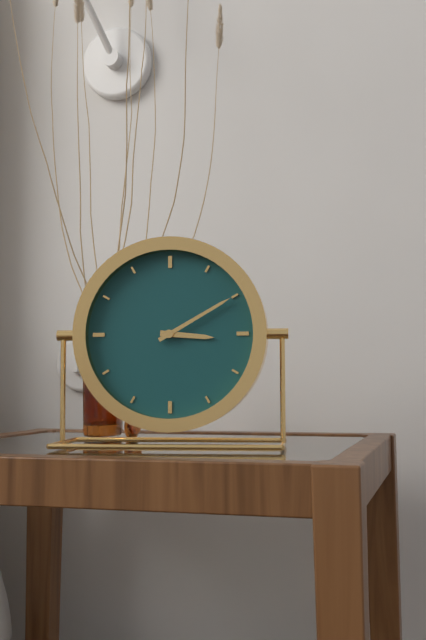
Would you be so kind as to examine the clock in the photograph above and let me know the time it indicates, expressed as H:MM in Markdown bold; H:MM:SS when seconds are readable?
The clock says **3:10**
